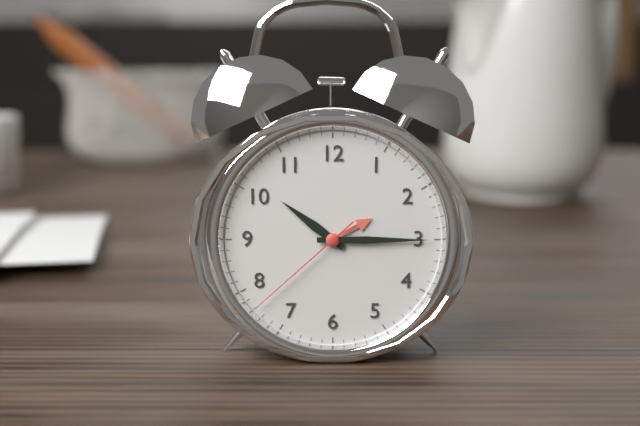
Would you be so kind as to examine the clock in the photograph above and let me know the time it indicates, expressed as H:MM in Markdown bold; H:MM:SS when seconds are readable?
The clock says **10:15:38**
